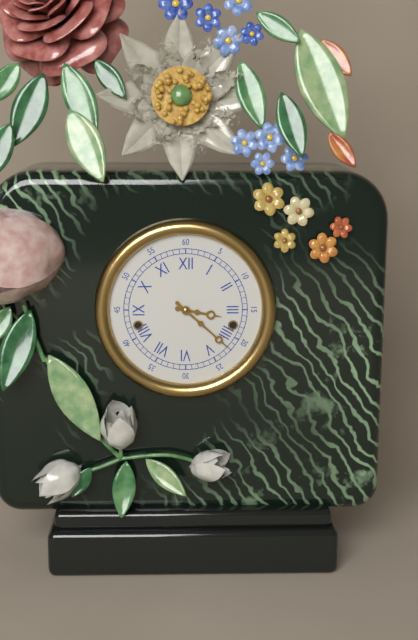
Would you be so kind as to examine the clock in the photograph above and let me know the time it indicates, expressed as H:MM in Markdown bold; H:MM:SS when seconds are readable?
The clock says **3:22**
